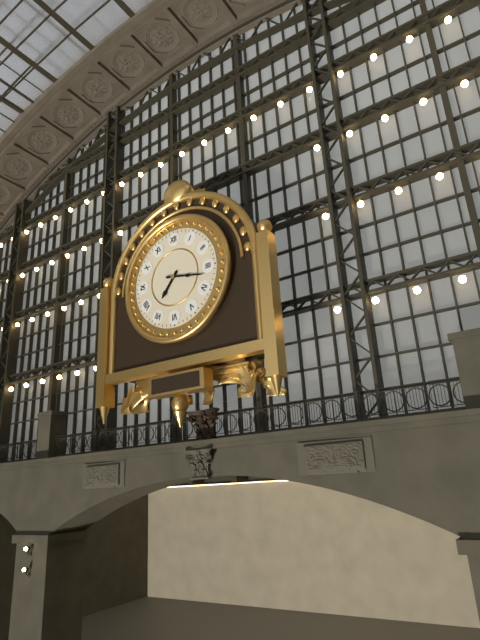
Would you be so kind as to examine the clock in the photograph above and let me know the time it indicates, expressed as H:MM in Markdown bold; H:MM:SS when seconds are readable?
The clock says **7:17**
